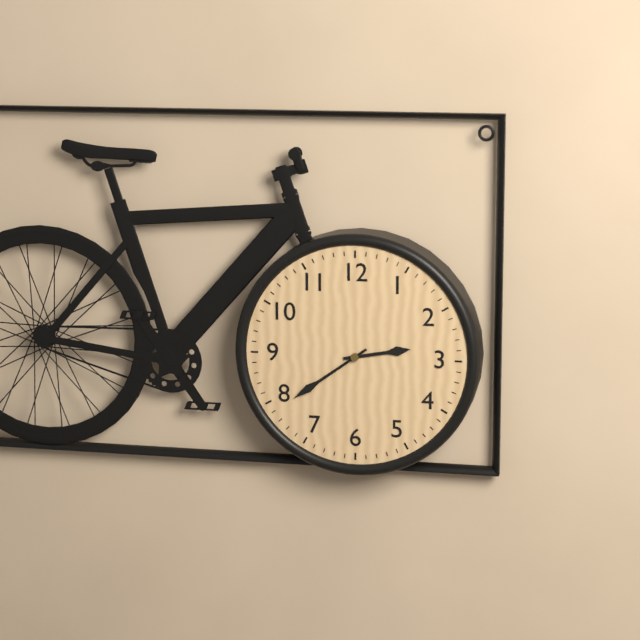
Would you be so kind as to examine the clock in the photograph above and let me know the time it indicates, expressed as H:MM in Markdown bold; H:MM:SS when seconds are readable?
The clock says **2:39**
